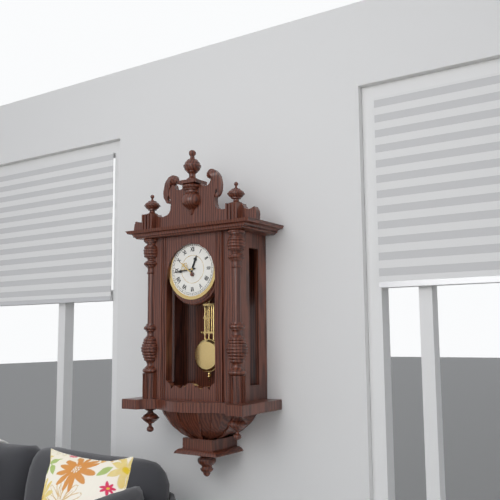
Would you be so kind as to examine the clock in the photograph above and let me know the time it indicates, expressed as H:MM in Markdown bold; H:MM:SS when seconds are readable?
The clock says **12:44**
